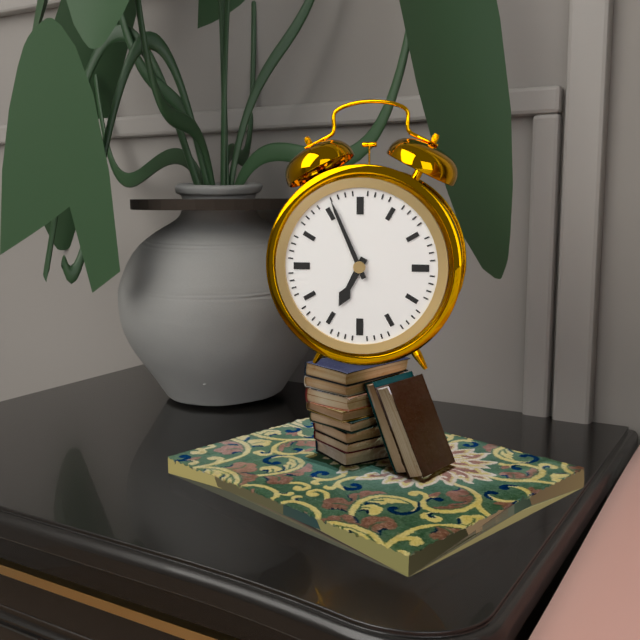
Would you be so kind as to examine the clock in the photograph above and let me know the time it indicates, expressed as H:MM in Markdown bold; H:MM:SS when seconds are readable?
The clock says **6:56**
